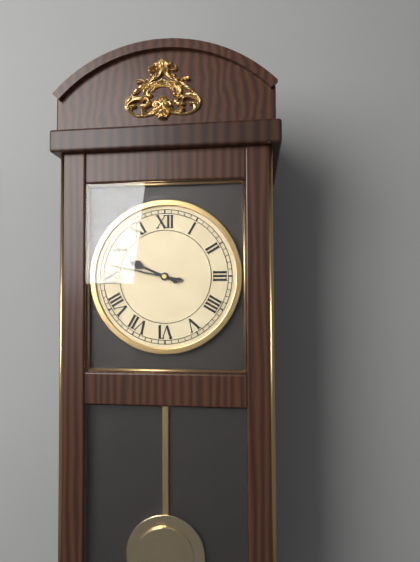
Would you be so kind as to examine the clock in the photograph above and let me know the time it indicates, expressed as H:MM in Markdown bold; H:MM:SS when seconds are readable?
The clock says **9:47**
